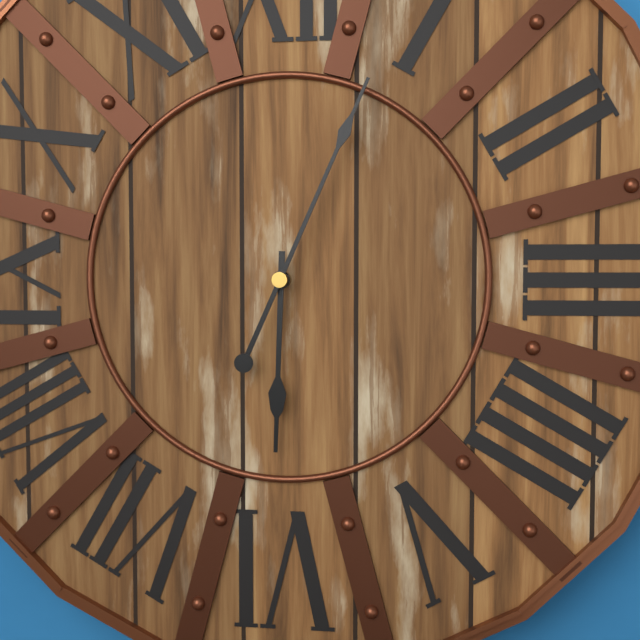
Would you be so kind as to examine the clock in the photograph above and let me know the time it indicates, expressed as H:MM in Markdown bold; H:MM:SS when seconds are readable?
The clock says **6:04**
